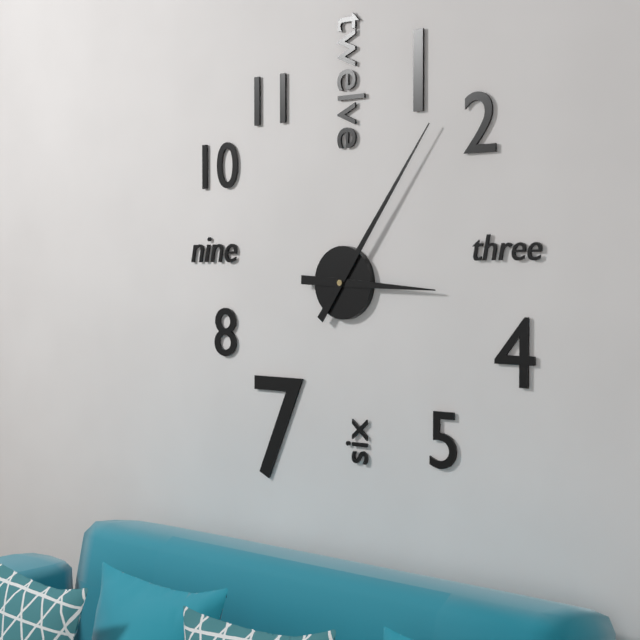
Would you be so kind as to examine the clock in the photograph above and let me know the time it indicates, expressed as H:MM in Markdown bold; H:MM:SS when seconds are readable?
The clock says **3:06**
